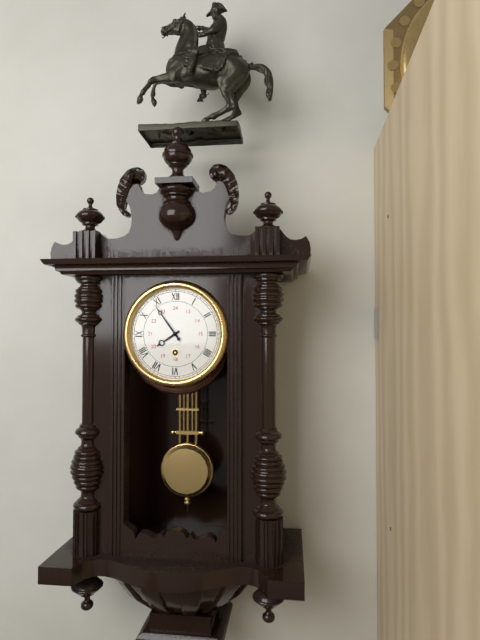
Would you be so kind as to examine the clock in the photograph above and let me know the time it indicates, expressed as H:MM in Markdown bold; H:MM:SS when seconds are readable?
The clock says **7:54**
